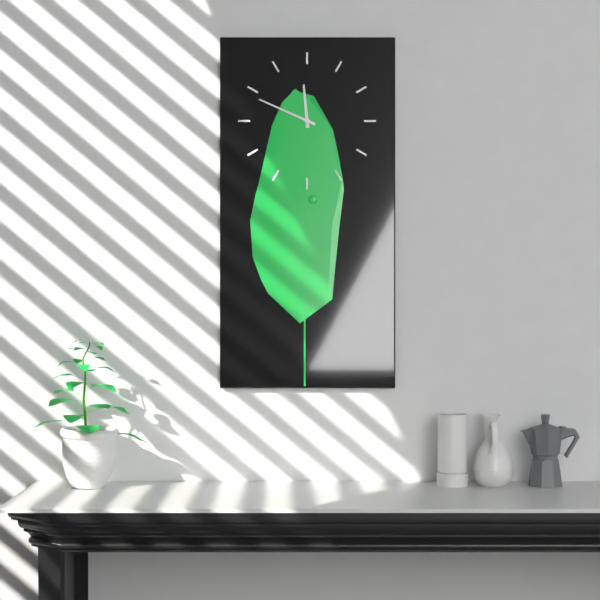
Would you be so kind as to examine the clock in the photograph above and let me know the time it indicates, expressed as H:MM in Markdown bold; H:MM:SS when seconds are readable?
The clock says **11:49**
